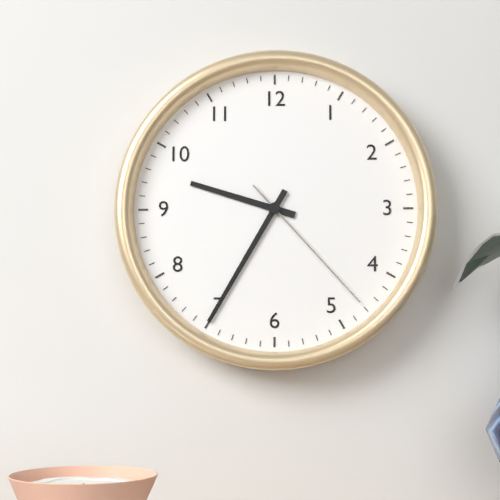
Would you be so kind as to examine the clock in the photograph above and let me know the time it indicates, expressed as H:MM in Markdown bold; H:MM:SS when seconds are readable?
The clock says **9:35:23**
